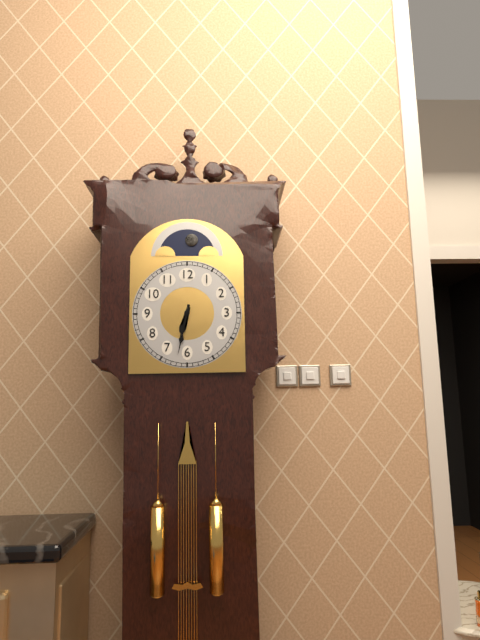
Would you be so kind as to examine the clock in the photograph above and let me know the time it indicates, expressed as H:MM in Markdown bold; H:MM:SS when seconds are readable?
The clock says **6:32**
